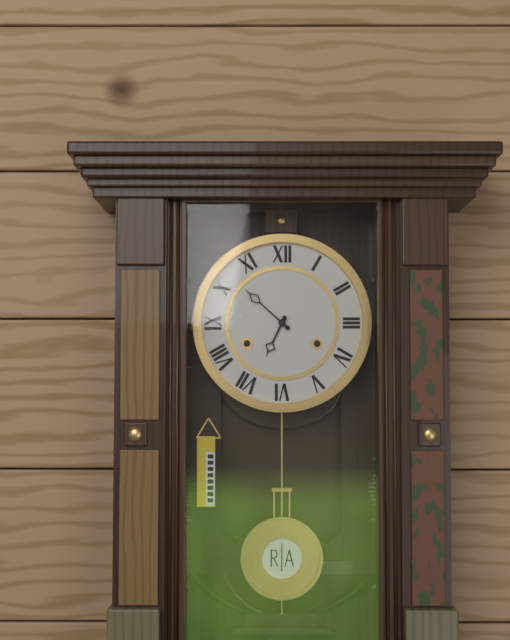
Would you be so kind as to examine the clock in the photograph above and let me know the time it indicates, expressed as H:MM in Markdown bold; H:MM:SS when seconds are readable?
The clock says **6:52**
